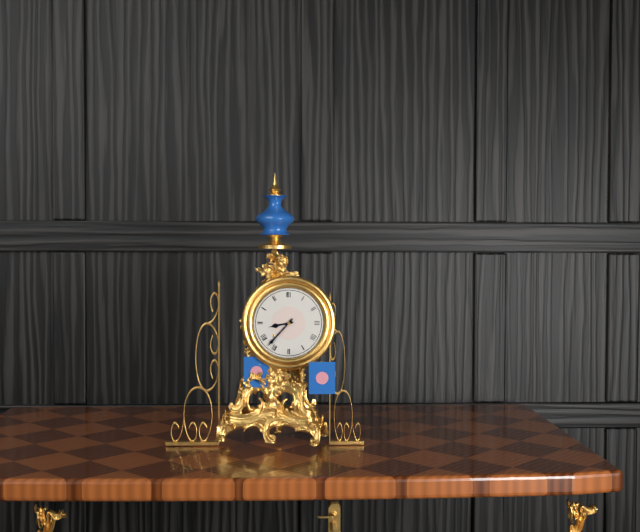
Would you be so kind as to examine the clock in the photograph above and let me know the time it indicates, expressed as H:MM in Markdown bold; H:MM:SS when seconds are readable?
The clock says **8:37**
